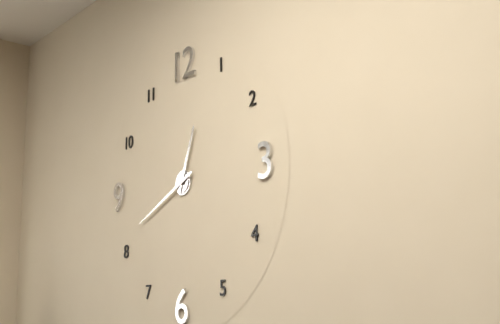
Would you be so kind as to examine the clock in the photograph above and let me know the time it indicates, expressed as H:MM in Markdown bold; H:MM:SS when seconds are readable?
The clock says **12:41**
